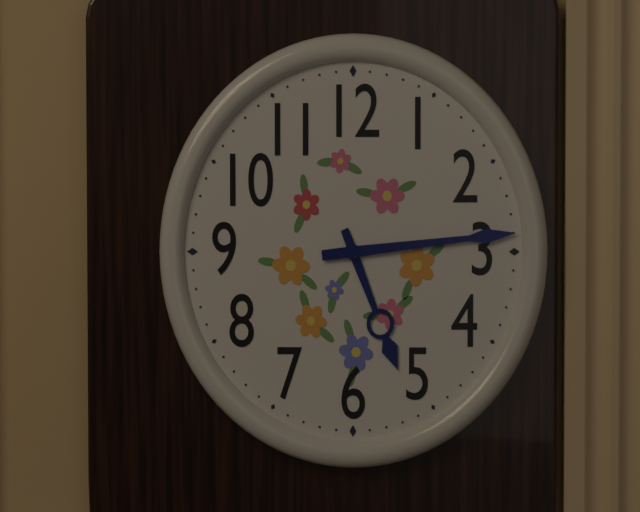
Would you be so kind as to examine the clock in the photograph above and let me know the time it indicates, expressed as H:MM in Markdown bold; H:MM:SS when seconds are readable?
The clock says **5:14**
